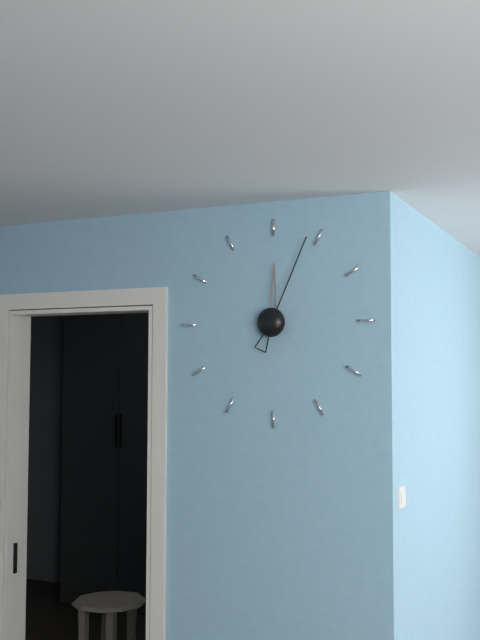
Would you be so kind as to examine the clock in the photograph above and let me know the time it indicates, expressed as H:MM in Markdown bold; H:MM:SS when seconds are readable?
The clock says **12:04**
